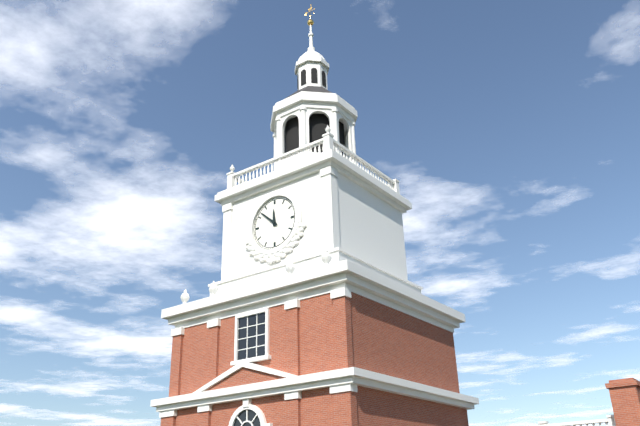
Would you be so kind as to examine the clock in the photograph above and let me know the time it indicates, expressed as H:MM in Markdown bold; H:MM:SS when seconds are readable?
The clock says **11:52**
